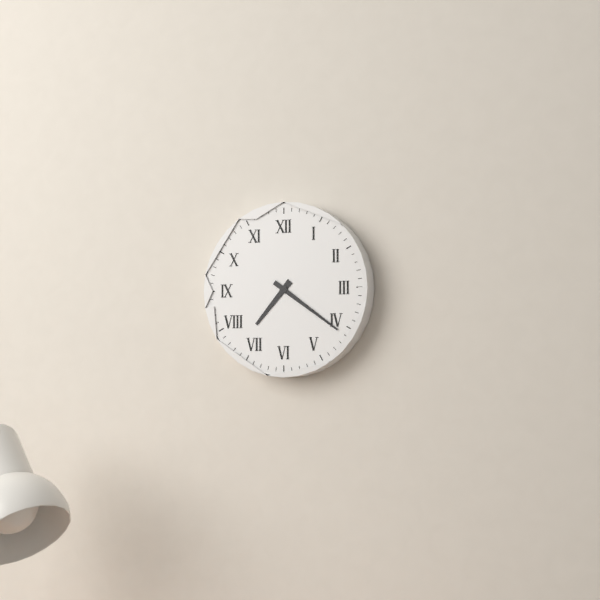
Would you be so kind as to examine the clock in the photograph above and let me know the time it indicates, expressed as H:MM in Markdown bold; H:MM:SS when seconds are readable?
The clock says **7:21**
